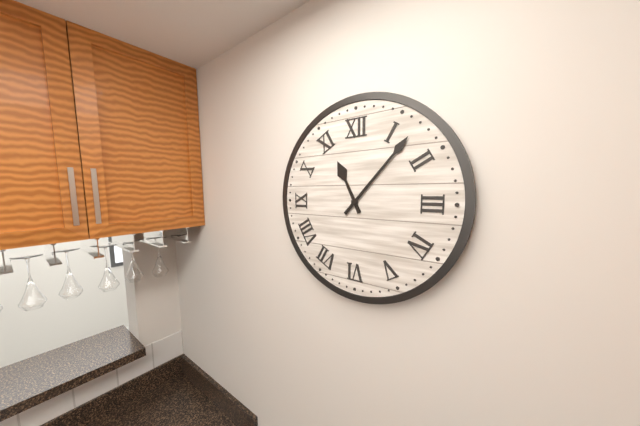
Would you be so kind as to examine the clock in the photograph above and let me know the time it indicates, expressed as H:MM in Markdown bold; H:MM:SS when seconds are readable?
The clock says **11:07**
